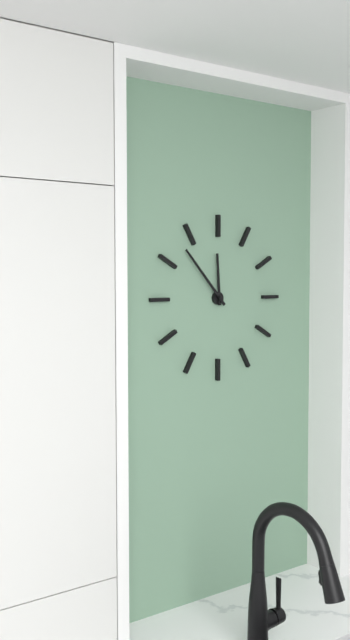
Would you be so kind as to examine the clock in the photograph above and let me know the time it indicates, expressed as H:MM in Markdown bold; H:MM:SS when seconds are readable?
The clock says **11:53**
